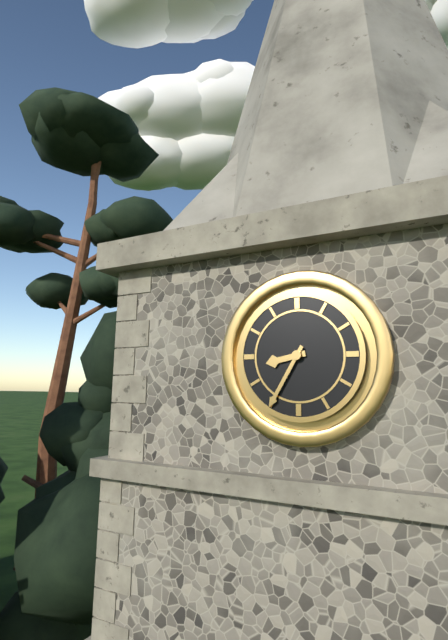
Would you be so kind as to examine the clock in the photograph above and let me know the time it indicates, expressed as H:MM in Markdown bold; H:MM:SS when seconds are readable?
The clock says **8:35**
